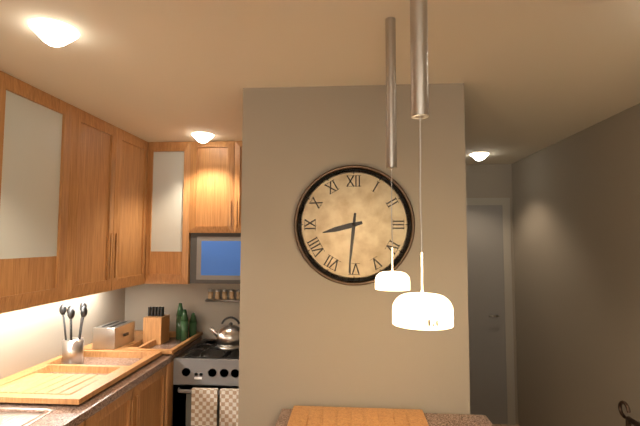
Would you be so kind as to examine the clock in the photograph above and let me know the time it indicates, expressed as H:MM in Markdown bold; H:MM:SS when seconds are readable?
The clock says **8:31**
